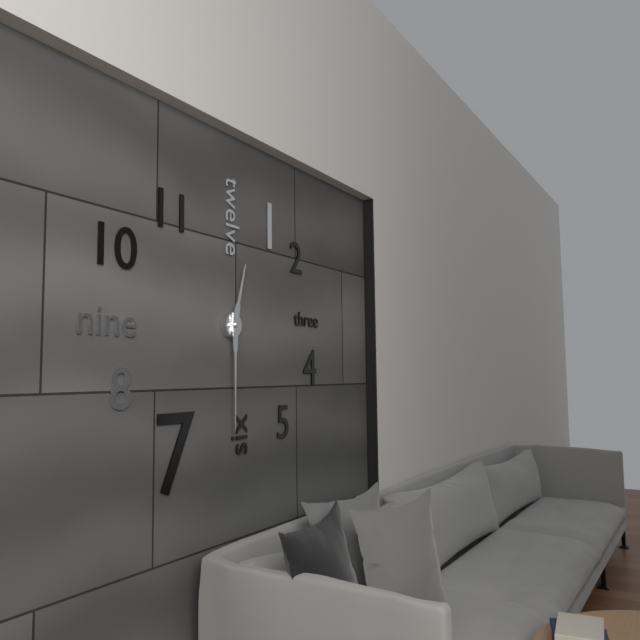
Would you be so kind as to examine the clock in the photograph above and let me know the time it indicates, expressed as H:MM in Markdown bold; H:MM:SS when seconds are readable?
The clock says **12:30**
